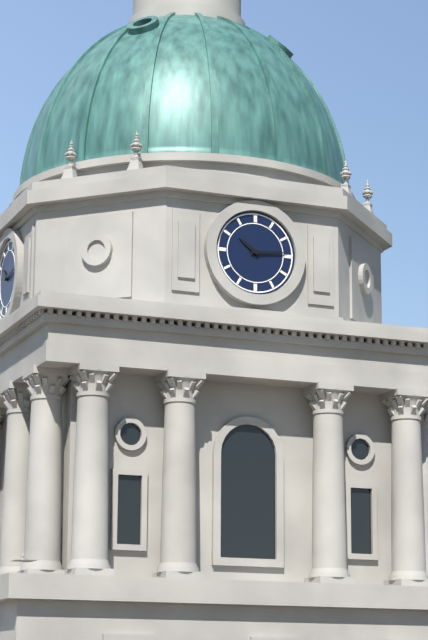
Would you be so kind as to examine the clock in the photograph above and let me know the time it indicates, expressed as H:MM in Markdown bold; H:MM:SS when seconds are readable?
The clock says **10:14**
